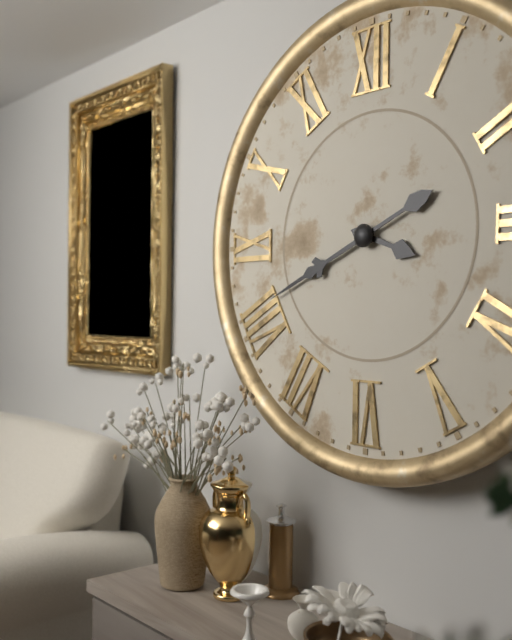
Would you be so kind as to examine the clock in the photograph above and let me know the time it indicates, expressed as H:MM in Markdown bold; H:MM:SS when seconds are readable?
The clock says **3:41**
